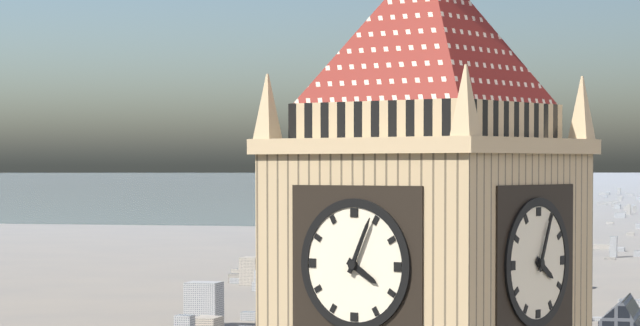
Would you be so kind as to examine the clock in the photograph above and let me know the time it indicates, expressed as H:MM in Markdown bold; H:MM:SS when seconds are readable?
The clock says **4:04**
